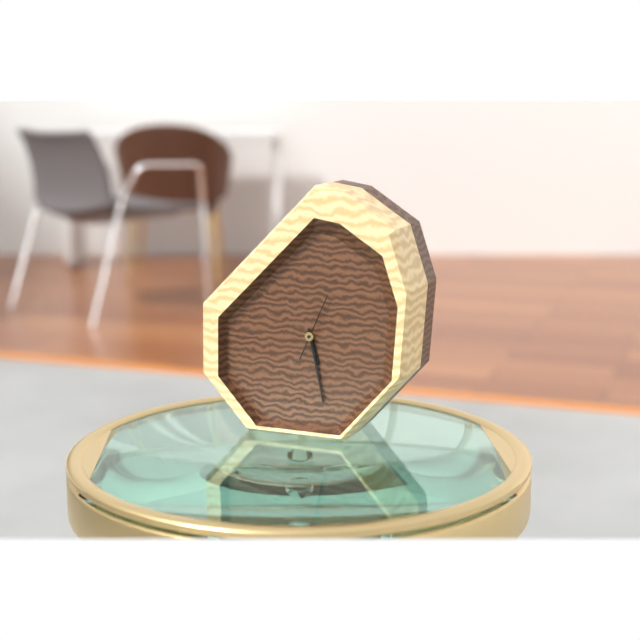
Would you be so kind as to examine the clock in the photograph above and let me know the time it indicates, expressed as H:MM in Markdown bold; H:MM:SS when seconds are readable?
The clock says **5:28:04**
